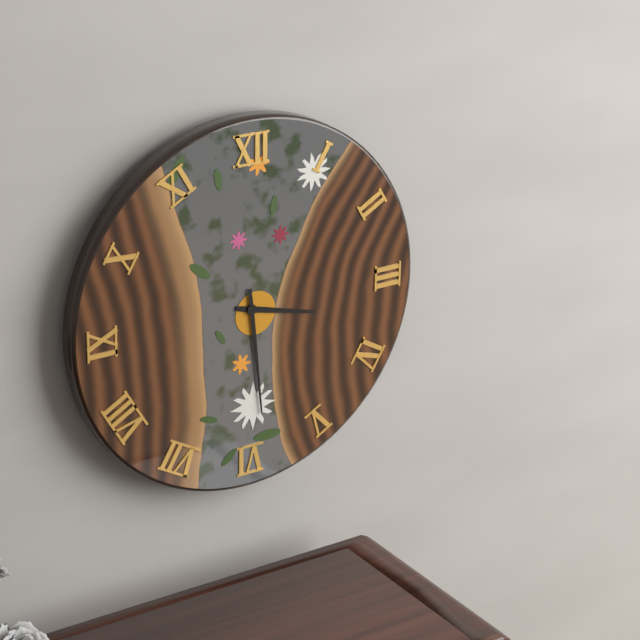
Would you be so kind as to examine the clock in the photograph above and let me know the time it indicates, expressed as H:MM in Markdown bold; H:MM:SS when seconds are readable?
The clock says **3:29**
